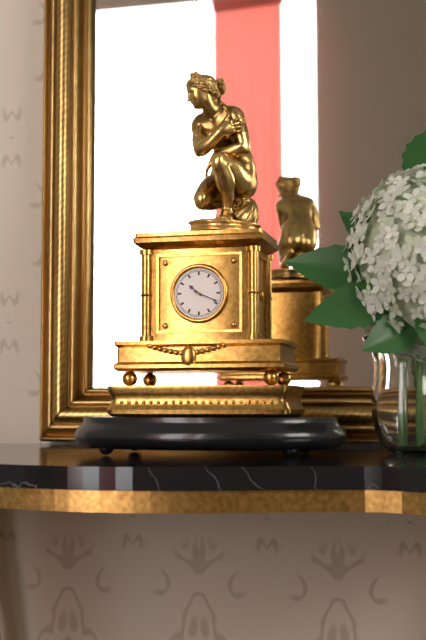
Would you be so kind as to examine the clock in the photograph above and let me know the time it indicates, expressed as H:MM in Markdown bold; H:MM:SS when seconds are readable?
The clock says **10:19**
